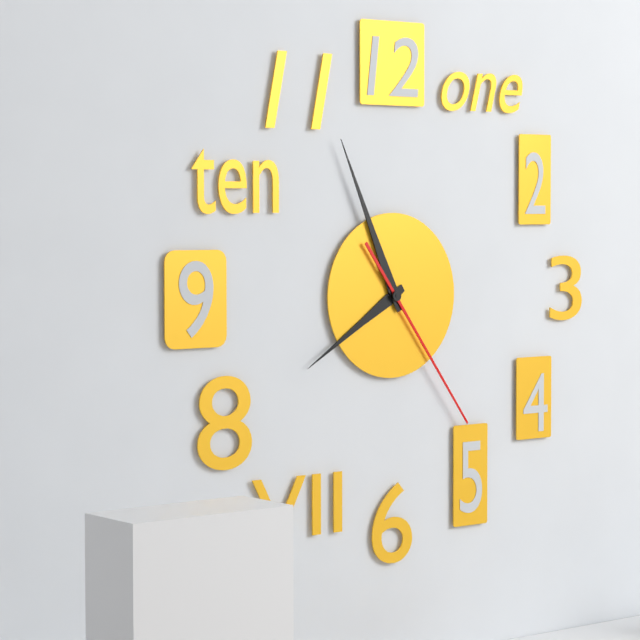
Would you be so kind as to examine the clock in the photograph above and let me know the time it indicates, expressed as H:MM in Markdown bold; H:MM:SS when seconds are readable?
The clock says **7:56:24**
